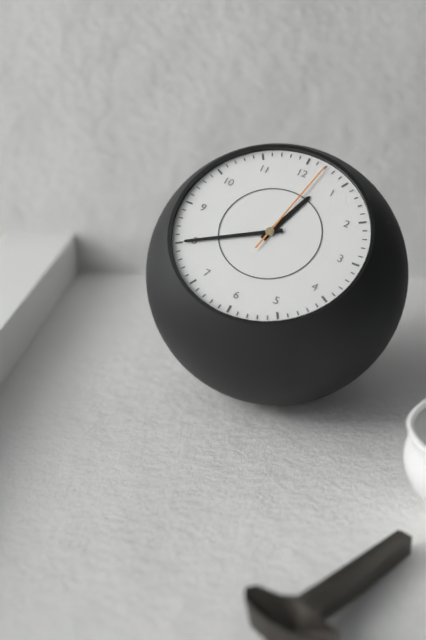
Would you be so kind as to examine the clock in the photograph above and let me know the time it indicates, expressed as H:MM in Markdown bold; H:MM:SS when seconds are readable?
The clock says **12:40:02**
